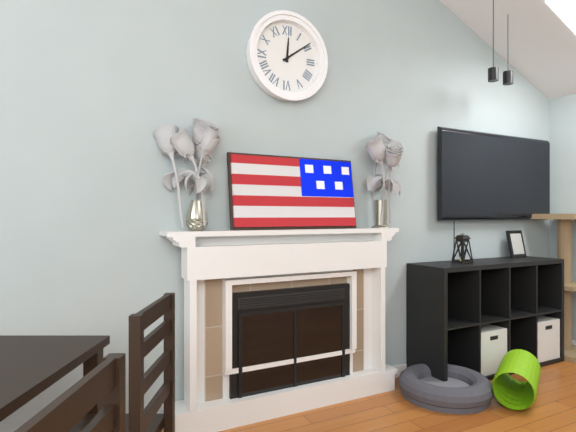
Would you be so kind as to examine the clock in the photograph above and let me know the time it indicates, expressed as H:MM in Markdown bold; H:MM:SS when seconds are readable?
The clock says **12:09**
